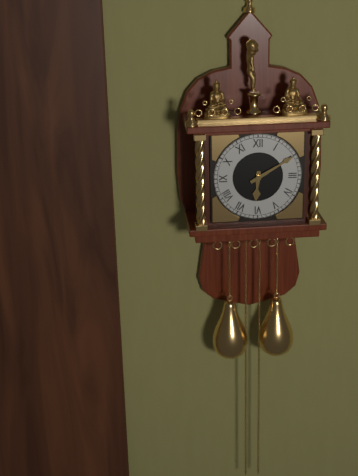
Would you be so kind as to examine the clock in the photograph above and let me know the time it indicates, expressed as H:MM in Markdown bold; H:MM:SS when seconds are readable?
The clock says **6:10**
